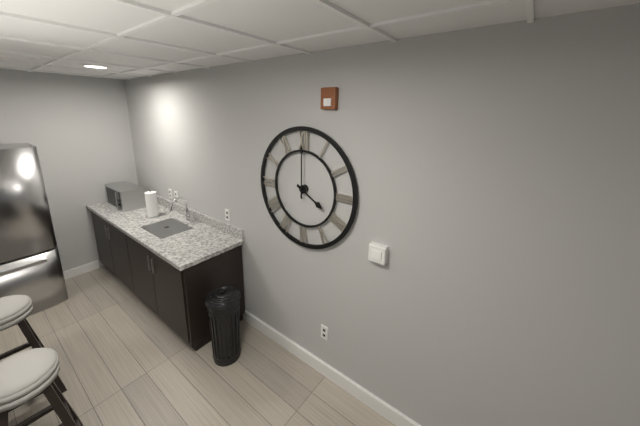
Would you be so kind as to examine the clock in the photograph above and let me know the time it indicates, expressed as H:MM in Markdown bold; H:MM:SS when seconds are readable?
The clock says **4:00**
